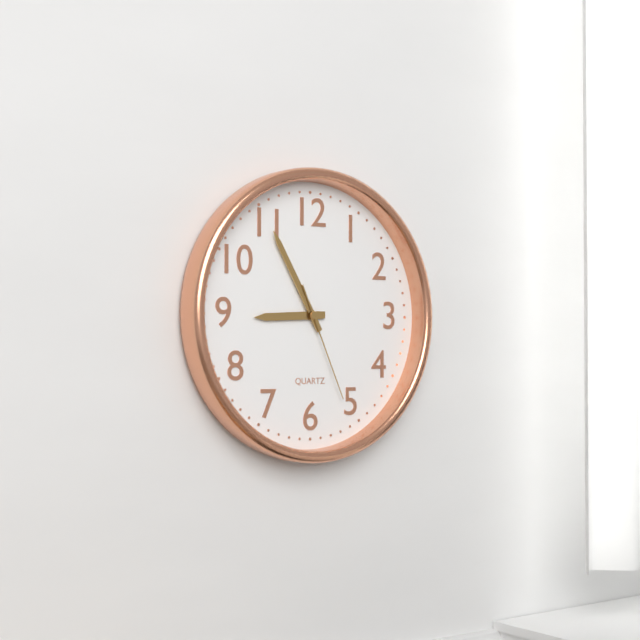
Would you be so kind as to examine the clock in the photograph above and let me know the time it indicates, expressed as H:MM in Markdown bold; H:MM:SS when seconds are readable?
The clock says **8:55:26**
